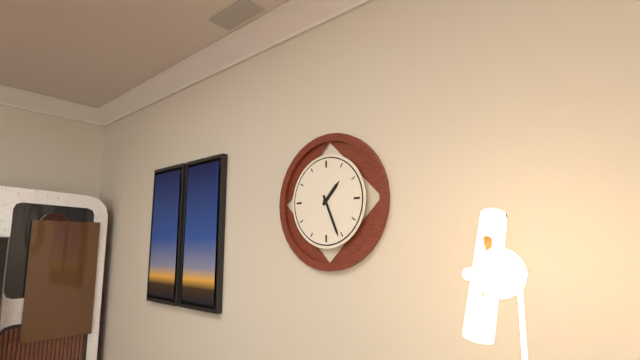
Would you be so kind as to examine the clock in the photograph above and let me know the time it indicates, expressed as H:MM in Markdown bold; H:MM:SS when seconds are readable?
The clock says **1:26**
